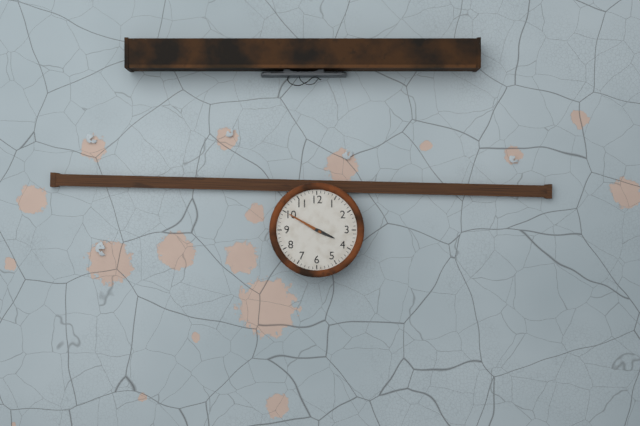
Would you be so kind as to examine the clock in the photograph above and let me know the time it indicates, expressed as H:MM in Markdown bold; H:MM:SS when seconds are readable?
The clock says **3:50**
